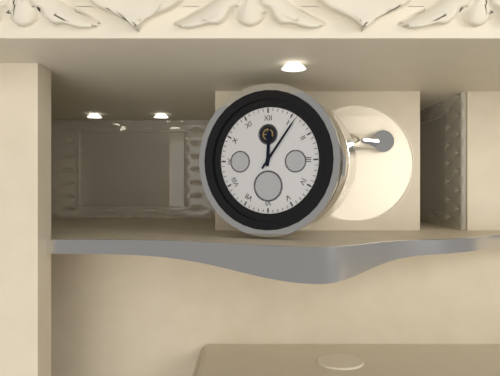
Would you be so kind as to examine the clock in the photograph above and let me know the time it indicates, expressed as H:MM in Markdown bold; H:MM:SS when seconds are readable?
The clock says **12:06**
